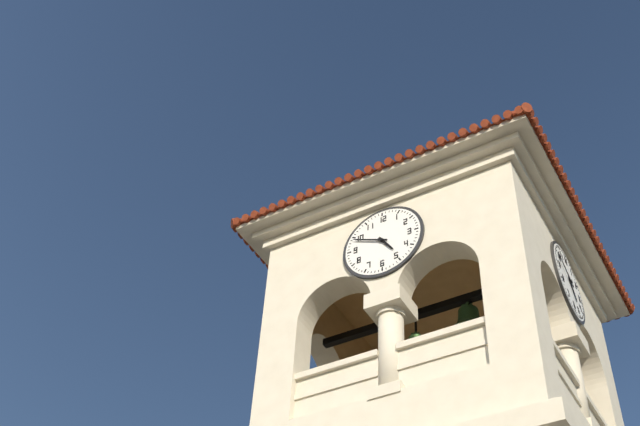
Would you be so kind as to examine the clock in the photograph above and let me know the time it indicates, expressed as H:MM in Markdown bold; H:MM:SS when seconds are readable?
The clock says **4:49**
